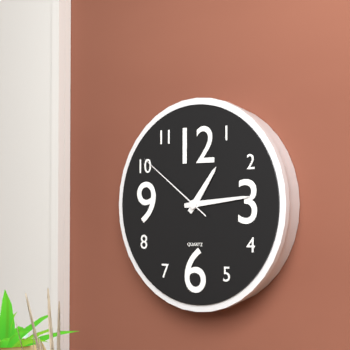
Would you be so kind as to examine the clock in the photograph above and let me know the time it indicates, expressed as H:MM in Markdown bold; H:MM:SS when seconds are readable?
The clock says **1:14:51**
